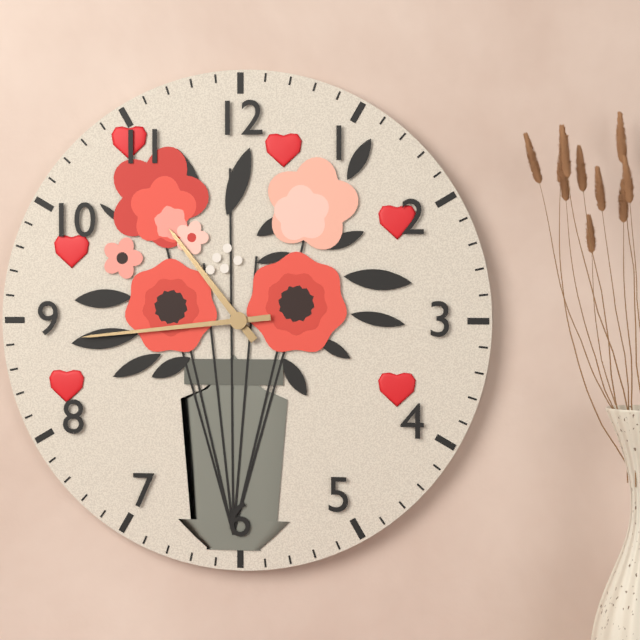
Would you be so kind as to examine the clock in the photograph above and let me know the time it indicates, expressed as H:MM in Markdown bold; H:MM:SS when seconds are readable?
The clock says **10:44**
